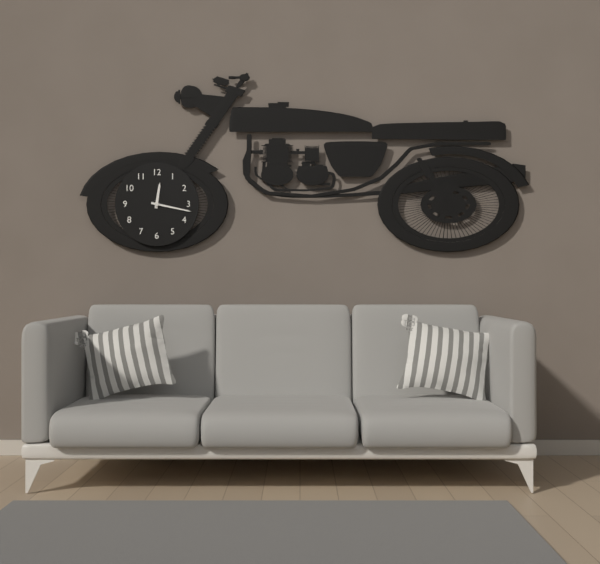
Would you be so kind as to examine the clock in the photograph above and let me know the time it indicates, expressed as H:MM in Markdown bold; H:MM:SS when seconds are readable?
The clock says **12:17**
